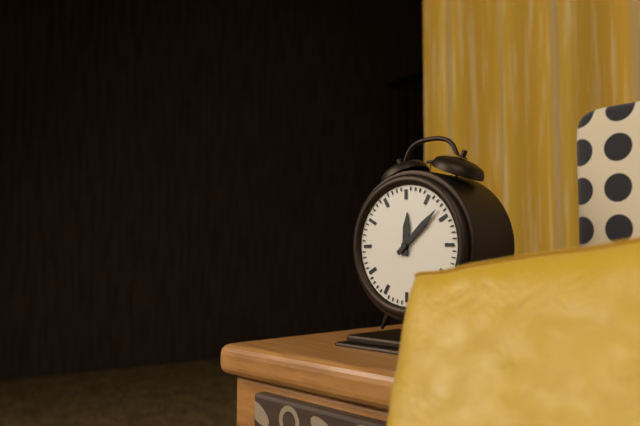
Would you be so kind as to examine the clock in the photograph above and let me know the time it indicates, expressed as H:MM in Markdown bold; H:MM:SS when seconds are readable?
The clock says **12:08**
